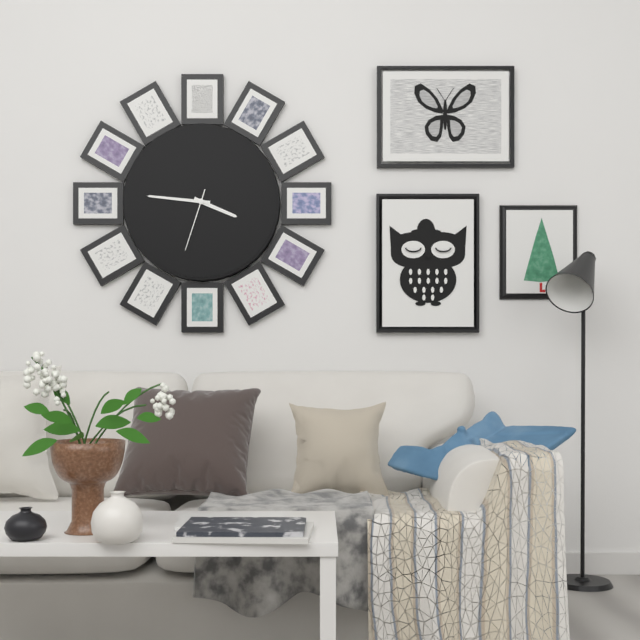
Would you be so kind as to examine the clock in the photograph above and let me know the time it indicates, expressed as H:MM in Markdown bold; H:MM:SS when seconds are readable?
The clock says **3:46:33**
